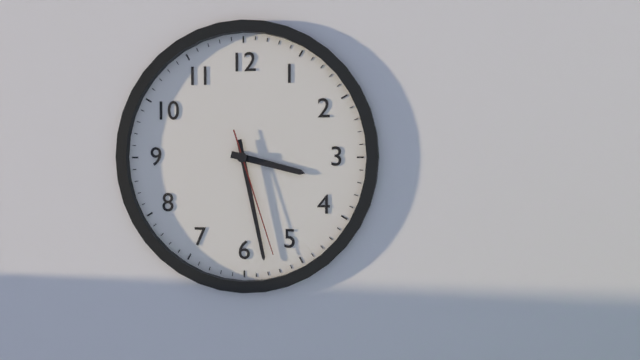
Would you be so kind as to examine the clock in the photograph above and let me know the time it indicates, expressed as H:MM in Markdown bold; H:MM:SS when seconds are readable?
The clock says **3:28:27**
